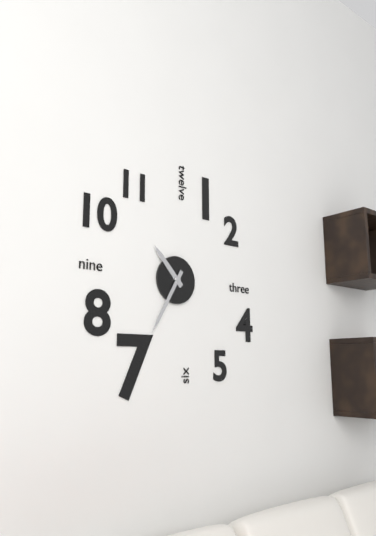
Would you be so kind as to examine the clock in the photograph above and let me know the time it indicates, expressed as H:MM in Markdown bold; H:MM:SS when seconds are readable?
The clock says **10:35**
